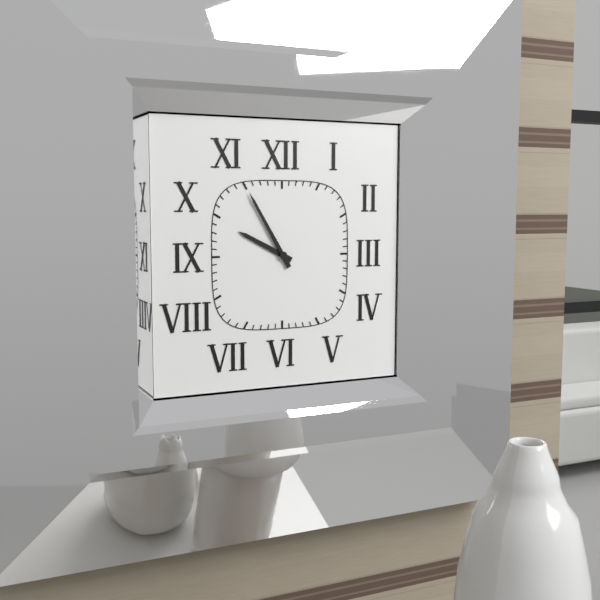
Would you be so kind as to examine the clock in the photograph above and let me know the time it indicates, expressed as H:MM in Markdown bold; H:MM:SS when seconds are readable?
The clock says **9:55**
